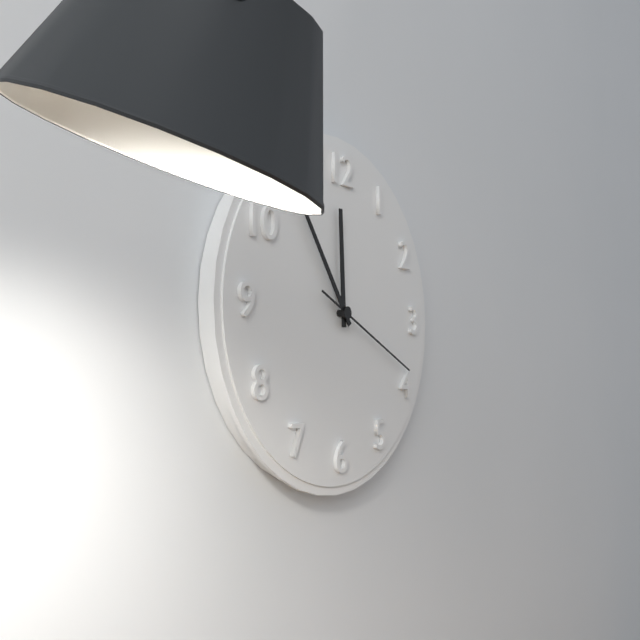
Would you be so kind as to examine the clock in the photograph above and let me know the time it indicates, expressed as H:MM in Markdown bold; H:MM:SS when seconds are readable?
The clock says **11:54:19**
